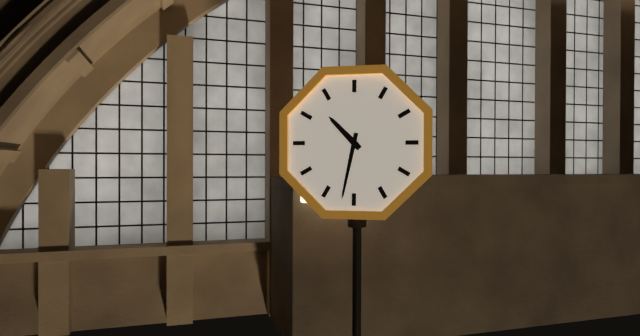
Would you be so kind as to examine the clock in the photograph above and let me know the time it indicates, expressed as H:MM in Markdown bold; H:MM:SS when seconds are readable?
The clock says **10:32**
